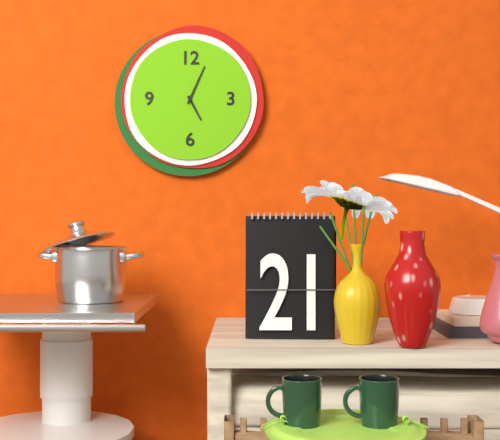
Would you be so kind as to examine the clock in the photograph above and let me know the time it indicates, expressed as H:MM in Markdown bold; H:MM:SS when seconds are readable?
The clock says **5:04**
